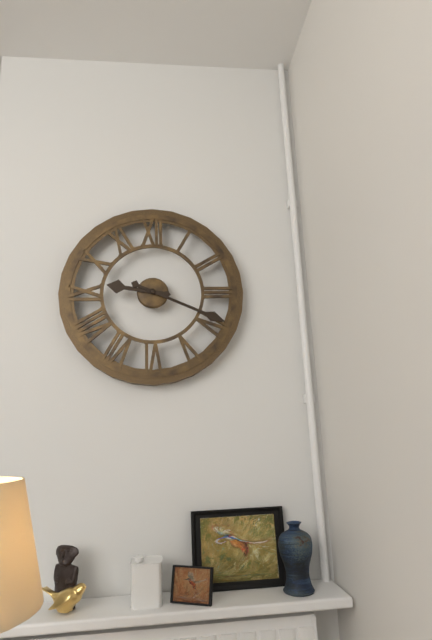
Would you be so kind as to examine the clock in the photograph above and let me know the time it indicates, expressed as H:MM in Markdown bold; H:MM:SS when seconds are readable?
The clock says **9:19**
